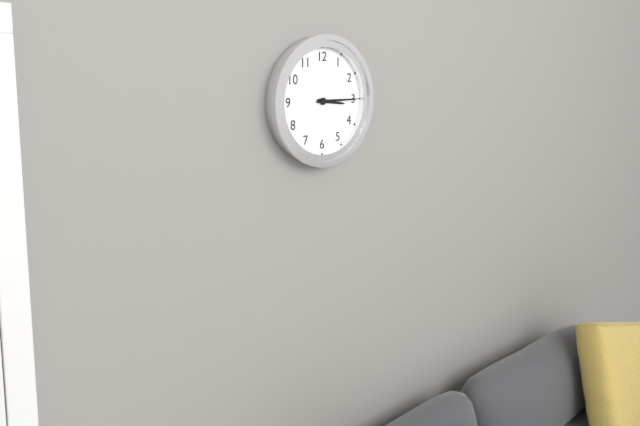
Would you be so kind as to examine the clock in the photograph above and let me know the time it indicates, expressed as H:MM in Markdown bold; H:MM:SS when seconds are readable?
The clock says **3:15**
